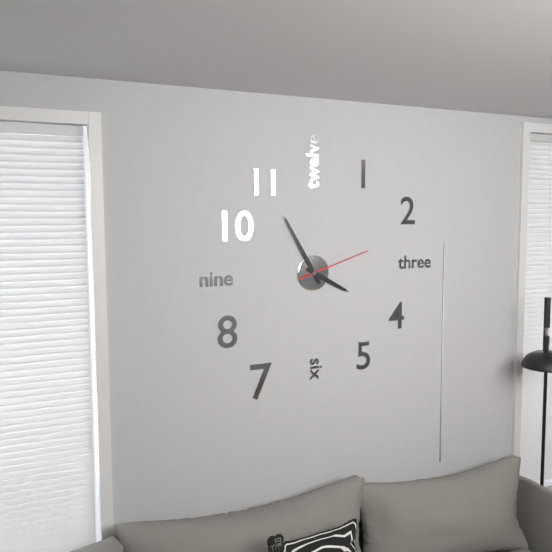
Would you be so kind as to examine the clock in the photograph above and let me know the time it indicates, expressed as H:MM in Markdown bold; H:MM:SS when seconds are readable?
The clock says **3:55:12**
